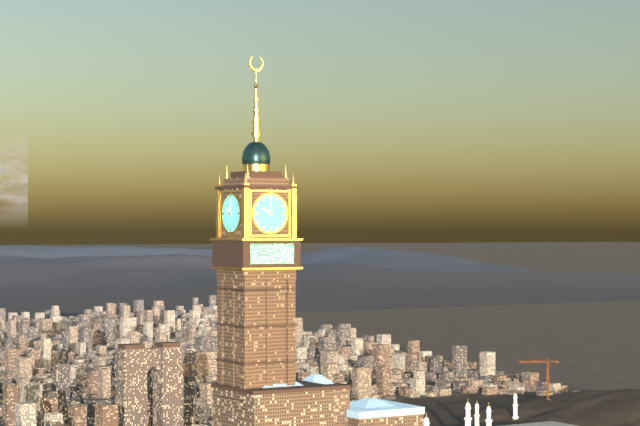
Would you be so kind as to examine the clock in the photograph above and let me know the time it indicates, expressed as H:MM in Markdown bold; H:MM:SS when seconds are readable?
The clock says **10:00**
